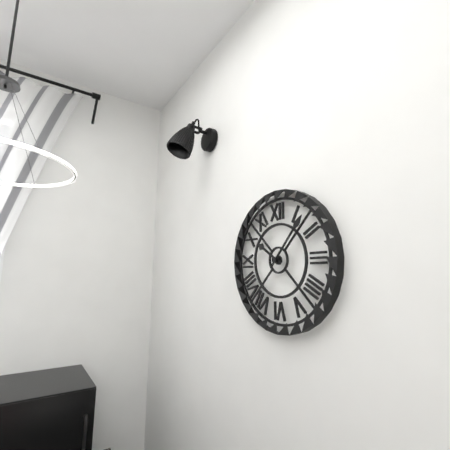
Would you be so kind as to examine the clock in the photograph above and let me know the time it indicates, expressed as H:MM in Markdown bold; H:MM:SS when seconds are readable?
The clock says **10:07**
